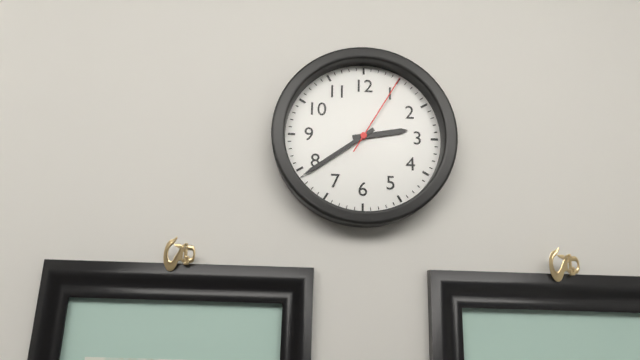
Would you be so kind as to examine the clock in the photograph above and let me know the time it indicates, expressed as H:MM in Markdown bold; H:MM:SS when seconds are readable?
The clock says **2:39:05**
